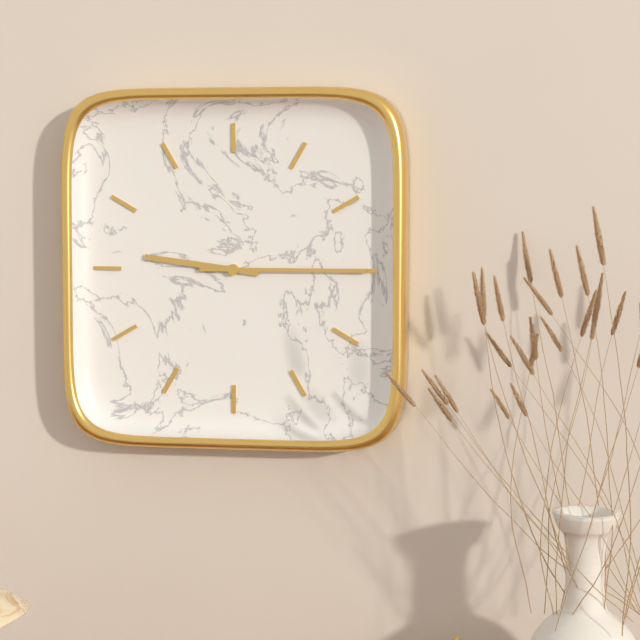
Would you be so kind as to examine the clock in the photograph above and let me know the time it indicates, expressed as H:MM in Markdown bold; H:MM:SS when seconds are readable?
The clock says **9:15**
